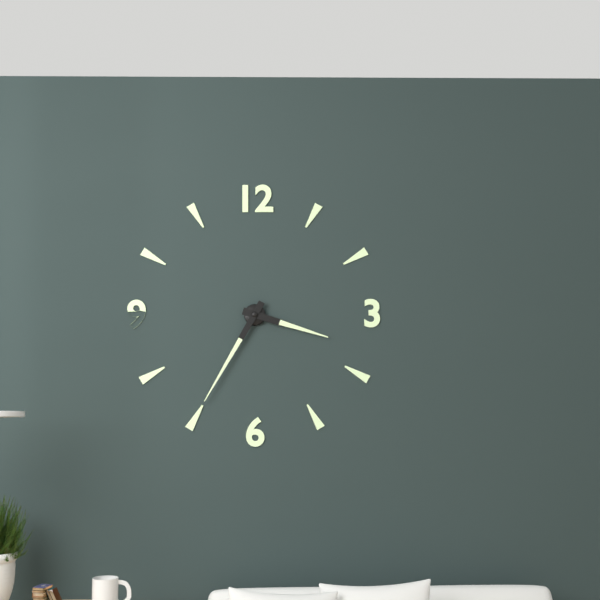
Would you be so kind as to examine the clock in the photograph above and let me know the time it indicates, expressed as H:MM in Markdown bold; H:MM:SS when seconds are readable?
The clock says **3:35**
